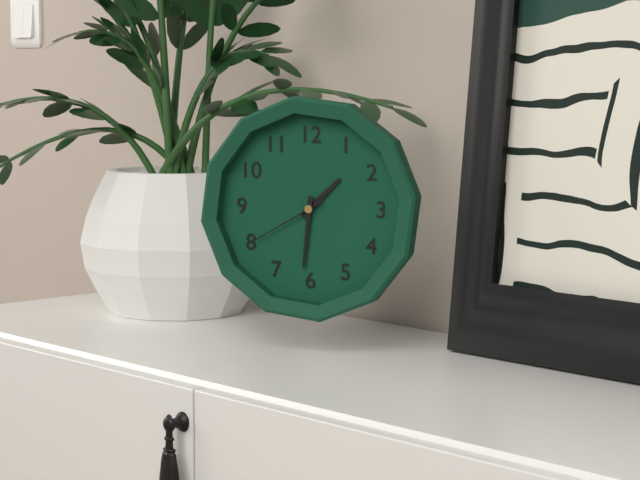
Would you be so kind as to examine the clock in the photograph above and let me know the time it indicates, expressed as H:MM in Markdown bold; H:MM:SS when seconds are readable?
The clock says **1:31:40**
